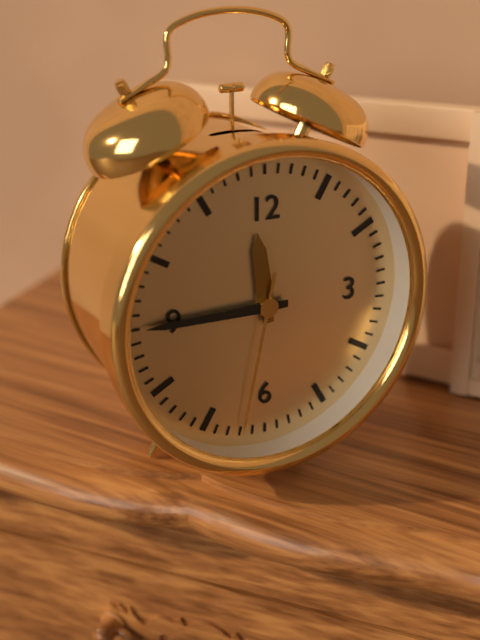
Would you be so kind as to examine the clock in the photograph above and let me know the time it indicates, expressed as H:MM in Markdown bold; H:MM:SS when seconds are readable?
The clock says **11:45:32**
